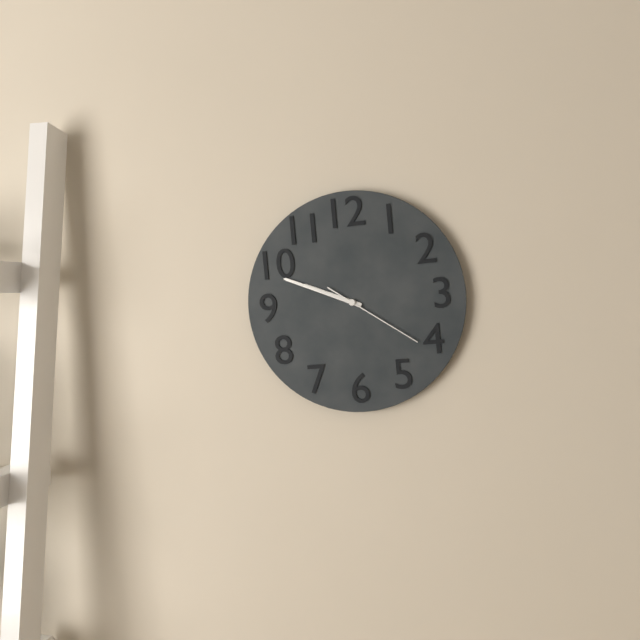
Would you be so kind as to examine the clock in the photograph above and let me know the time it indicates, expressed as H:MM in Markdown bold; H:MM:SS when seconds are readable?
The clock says **9:49:21**
